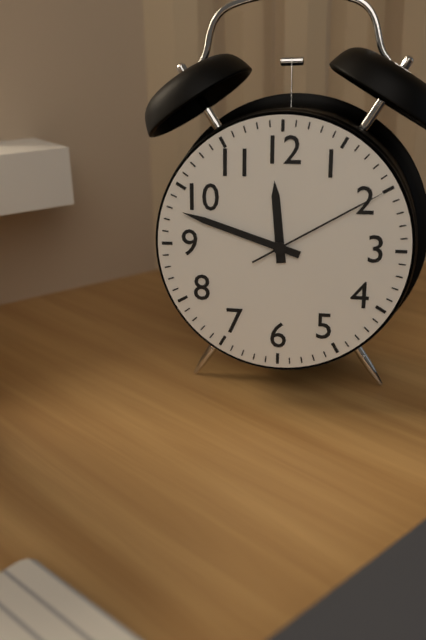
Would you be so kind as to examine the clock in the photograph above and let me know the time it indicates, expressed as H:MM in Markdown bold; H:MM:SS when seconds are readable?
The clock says **11:48:10**
